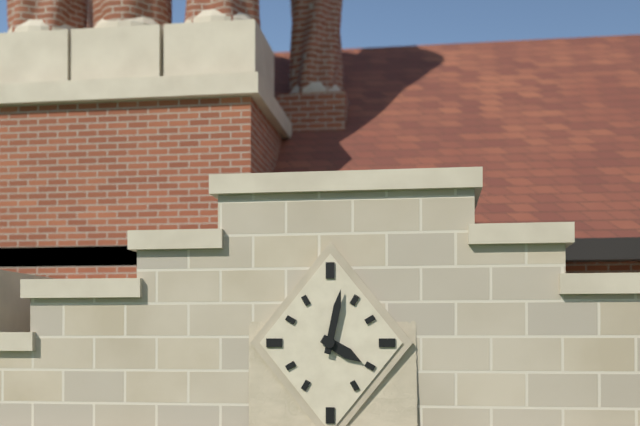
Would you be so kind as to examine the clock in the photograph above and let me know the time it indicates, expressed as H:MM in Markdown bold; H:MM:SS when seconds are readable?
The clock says **4:02**
